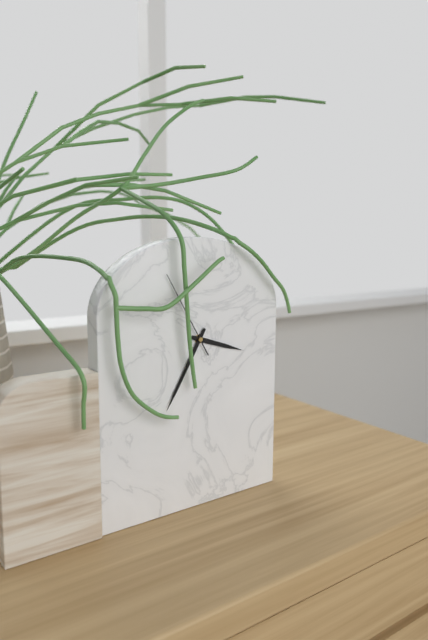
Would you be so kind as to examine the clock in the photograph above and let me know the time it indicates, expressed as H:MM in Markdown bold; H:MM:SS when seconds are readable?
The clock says **3:35:55**
